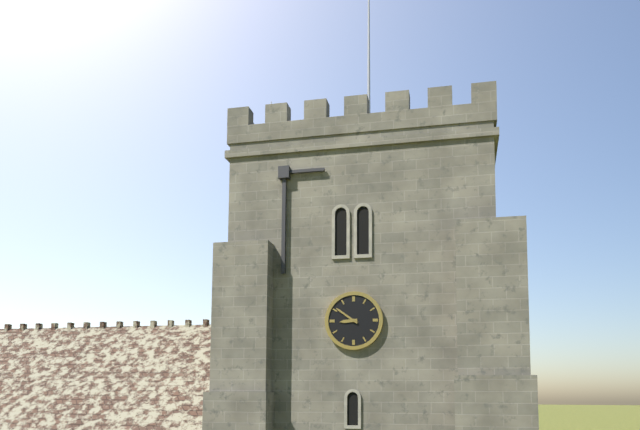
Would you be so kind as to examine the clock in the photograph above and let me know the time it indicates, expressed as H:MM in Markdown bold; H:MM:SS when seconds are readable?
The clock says **8:51**
